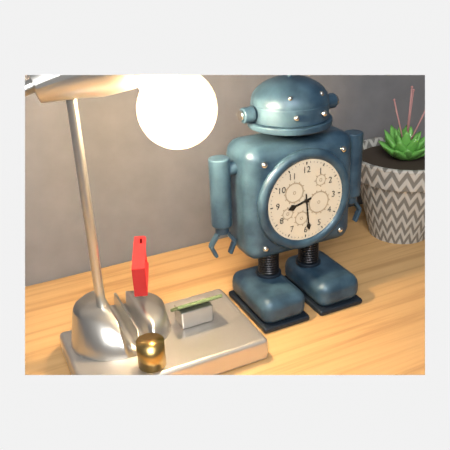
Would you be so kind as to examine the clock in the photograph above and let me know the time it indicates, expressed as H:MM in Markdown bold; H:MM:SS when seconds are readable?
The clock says **8:29**
